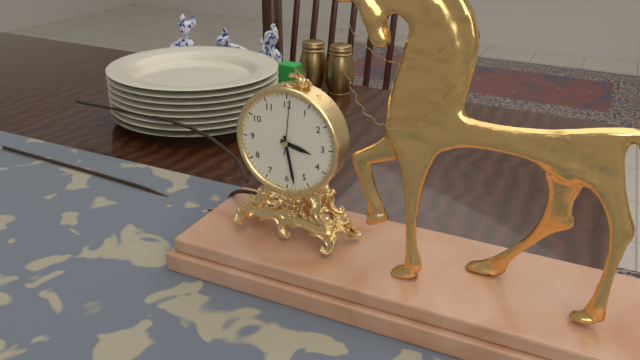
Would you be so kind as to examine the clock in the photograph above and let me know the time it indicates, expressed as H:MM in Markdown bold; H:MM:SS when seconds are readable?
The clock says **3:28:01**
